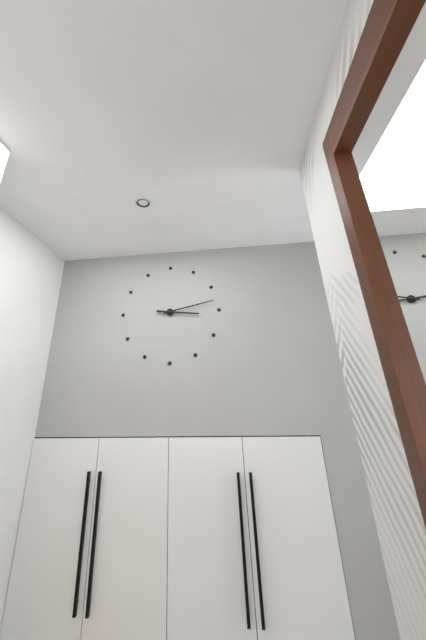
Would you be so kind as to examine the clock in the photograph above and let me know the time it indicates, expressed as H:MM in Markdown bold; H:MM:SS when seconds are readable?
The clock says **3:13**
